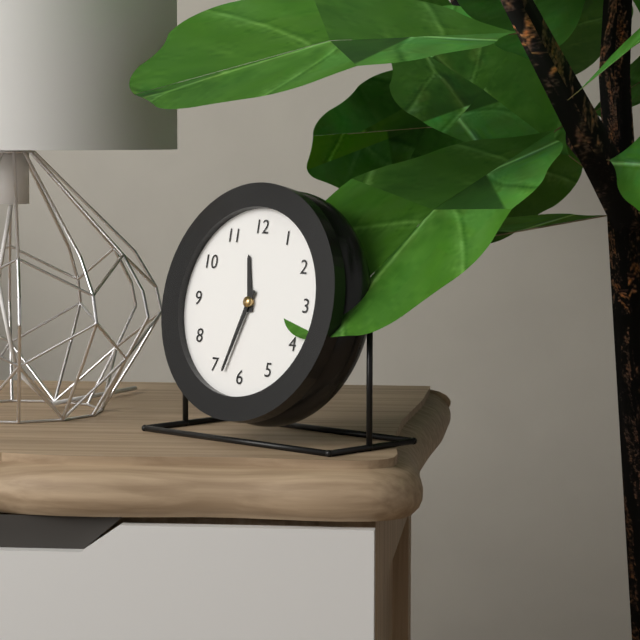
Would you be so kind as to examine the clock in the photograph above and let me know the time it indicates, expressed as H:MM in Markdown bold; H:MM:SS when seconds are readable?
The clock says **11:33**
